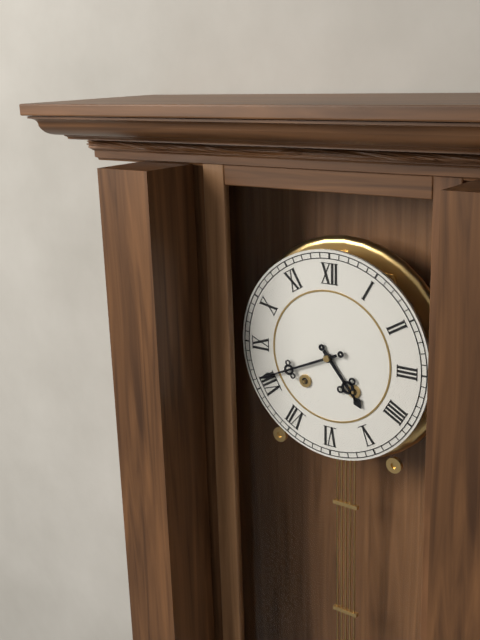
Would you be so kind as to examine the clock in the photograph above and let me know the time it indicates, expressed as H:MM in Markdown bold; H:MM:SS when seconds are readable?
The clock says **4:41**
